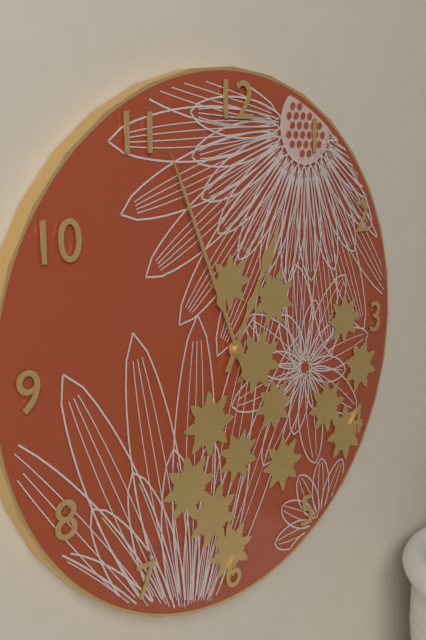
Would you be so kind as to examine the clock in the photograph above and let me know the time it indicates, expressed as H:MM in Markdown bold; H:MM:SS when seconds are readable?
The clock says **12:56**
